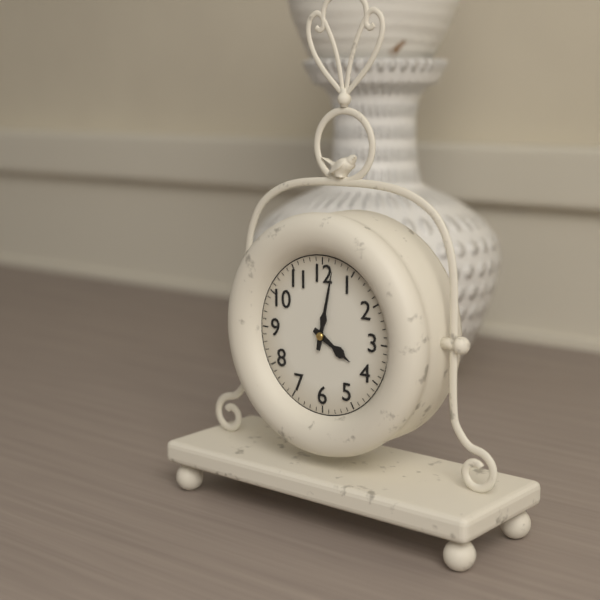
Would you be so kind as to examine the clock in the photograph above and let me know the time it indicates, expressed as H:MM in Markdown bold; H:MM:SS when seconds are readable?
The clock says **4:02**
